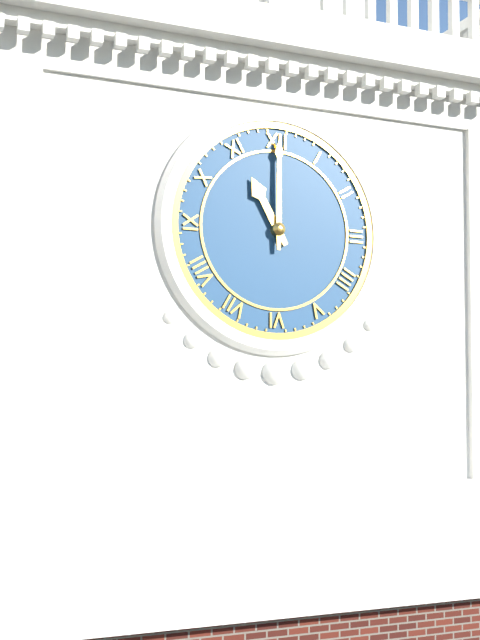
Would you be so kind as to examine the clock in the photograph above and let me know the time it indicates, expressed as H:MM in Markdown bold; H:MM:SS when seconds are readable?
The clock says **11:00**
